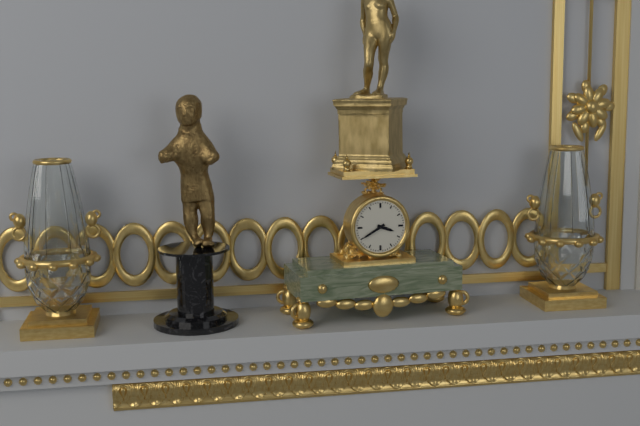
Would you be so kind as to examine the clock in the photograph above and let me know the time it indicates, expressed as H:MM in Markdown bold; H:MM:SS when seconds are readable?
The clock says **3:40**
